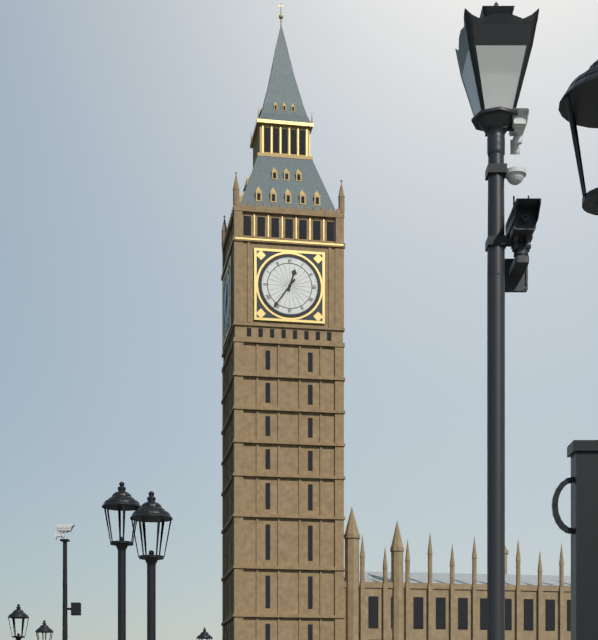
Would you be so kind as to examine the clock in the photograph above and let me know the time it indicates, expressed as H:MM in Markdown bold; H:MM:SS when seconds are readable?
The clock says **12:36**
